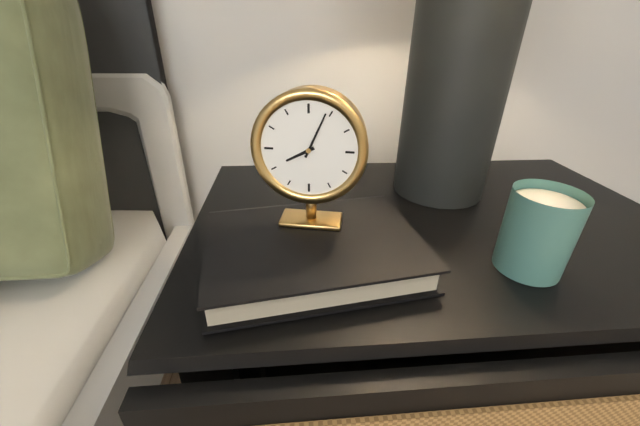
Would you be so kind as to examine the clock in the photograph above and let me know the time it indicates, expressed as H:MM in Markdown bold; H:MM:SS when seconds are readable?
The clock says **8:04**
